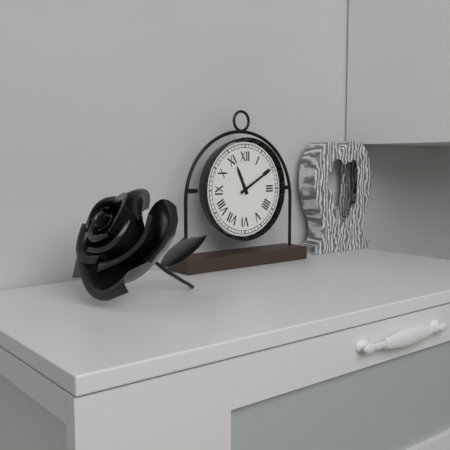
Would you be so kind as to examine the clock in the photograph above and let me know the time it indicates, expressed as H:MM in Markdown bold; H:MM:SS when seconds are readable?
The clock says **11:10**
